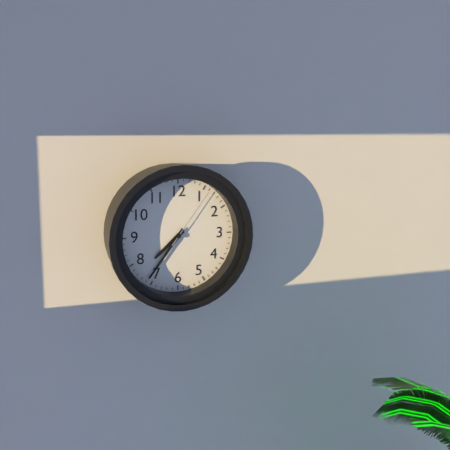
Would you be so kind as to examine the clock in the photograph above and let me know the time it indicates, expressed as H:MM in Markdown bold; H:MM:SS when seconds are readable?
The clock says **7:36:06**
